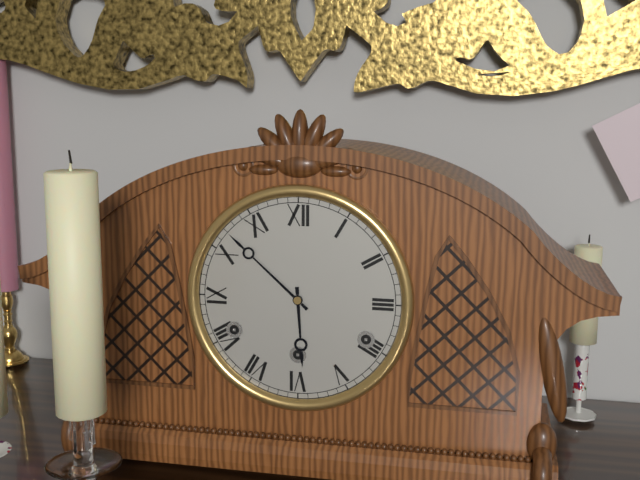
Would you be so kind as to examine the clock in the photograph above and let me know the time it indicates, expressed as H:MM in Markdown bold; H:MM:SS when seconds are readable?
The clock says **5:52**
